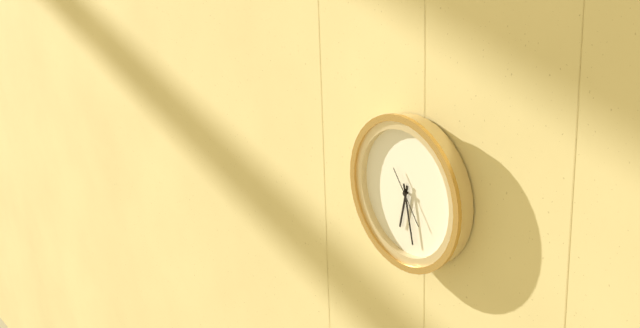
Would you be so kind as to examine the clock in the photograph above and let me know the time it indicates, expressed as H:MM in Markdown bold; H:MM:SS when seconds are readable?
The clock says **6:28**
